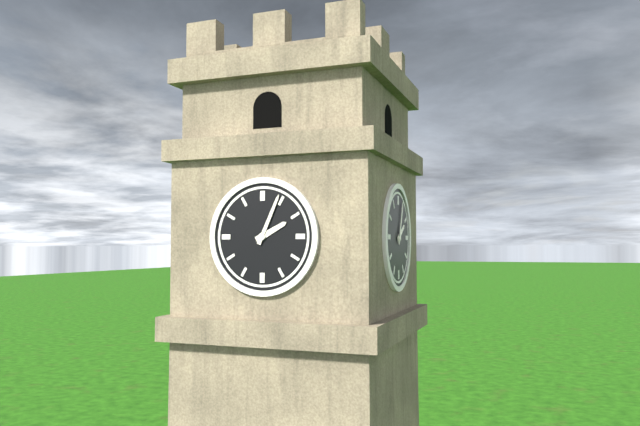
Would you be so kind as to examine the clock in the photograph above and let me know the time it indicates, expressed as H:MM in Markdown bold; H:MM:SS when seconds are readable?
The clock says **2:04**
